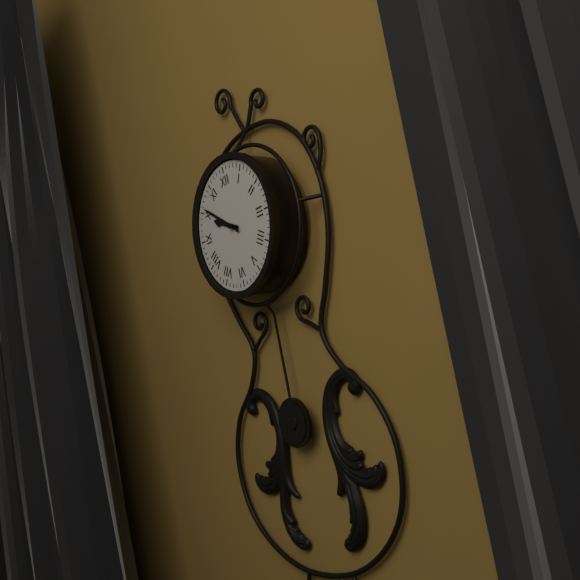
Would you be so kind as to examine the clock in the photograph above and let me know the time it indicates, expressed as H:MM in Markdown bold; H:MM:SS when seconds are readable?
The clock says **9:51**
